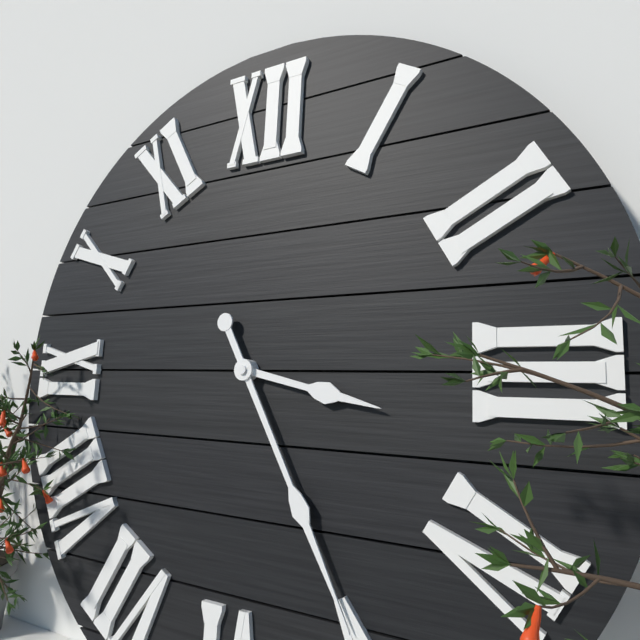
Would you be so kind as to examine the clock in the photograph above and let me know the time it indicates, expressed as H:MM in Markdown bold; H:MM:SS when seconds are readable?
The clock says **3:25**
